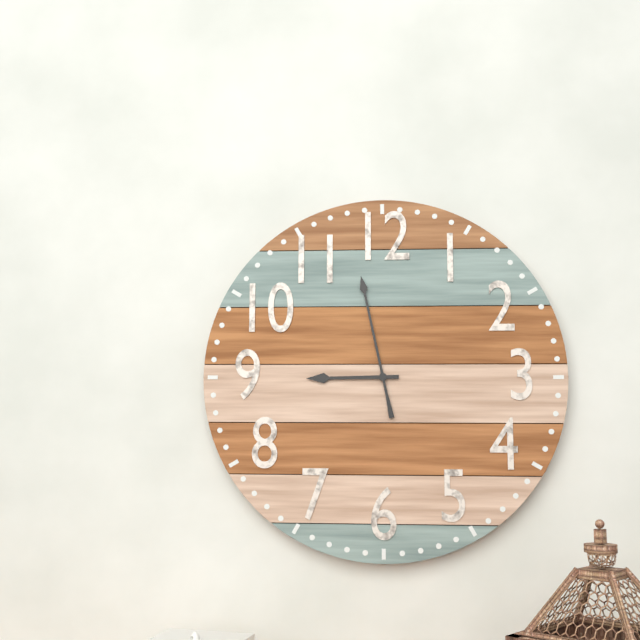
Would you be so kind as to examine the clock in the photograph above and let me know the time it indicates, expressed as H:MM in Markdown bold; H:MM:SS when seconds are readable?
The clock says **8:58**
